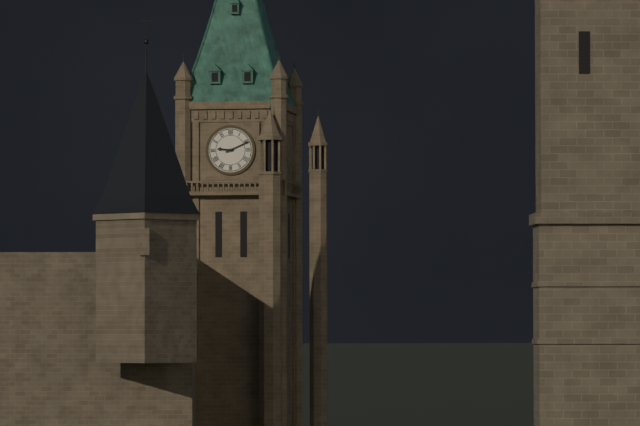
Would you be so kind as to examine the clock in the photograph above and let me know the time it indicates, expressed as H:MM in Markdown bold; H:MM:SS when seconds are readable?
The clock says **9:11**
